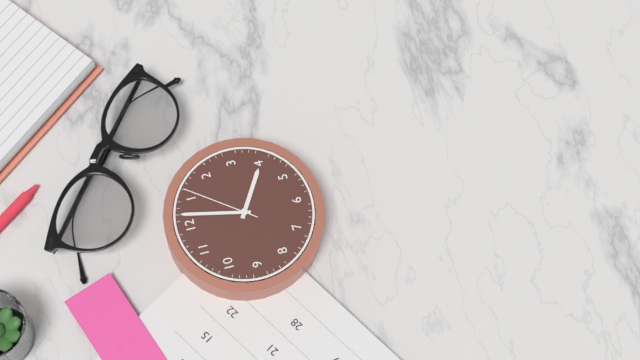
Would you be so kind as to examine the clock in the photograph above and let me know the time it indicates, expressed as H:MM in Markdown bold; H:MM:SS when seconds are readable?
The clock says **4:02:06**
